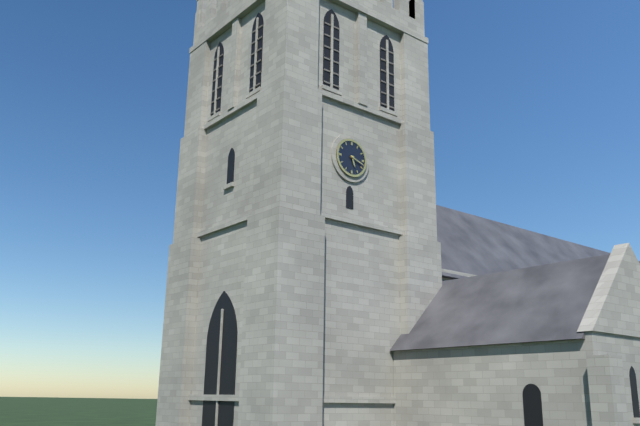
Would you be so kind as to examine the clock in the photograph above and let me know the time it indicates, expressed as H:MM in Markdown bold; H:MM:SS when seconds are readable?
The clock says **5:18**
